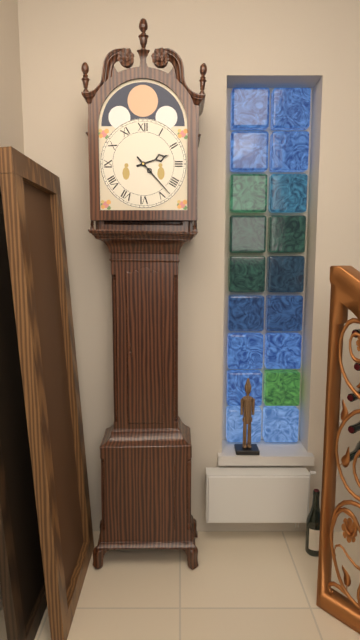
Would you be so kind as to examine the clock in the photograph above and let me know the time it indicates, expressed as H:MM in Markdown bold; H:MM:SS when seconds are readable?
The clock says **2:23**
